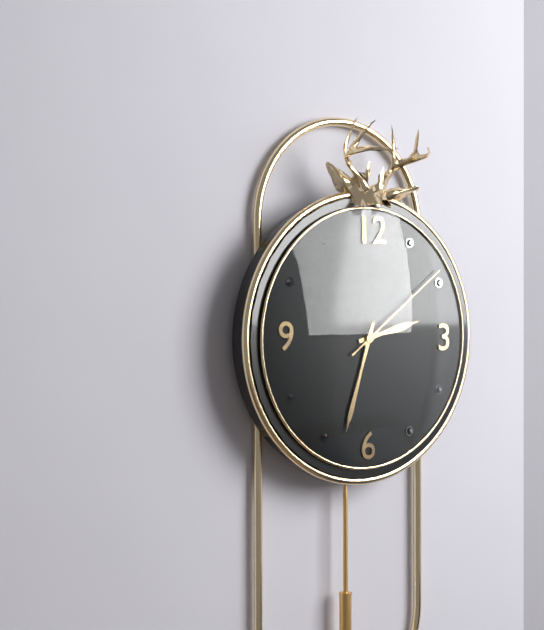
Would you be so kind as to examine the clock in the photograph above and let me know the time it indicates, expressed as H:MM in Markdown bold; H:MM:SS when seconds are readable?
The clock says **2:33:09**
